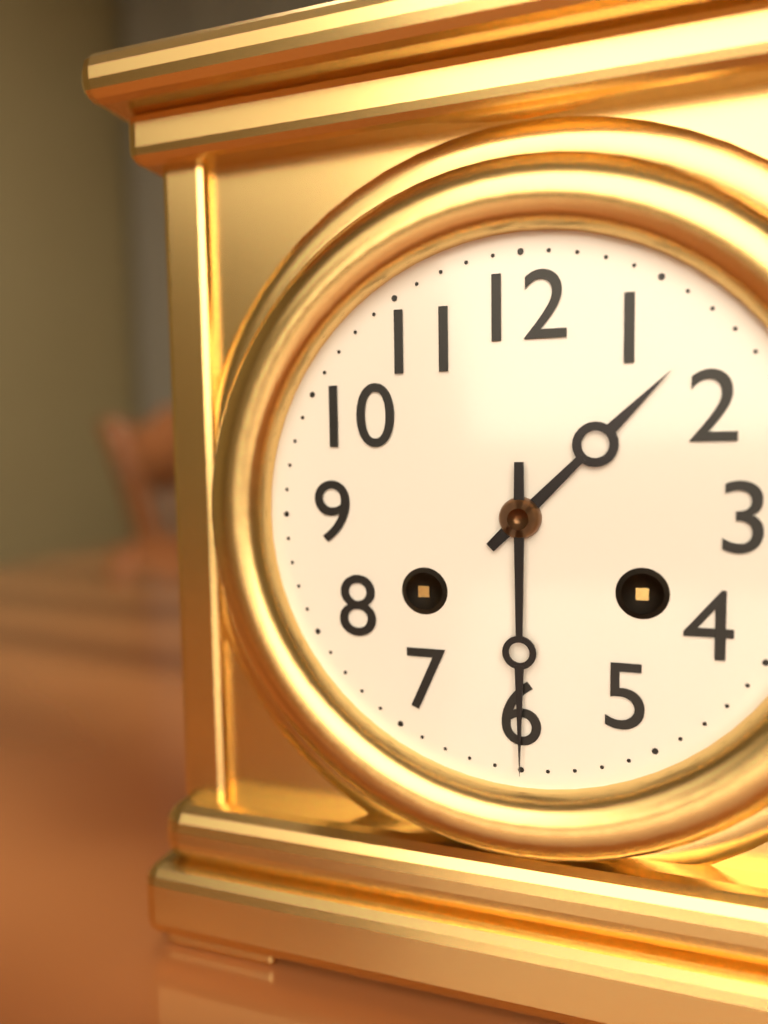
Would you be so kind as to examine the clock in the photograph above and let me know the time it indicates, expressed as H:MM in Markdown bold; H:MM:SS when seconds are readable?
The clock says **1:30**
